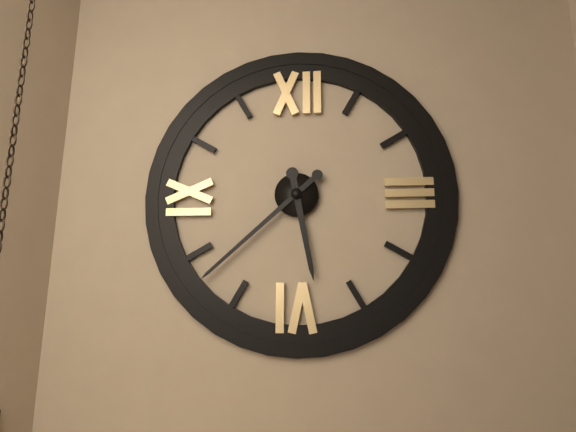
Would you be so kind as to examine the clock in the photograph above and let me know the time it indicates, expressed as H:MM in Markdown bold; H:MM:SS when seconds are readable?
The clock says **5:38**
